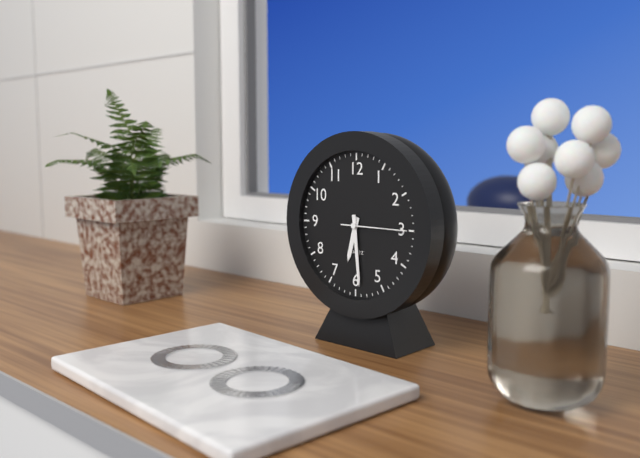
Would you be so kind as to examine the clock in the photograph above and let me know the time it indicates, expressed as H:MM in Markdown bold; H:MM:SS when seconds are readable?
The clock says **6:29:15**
